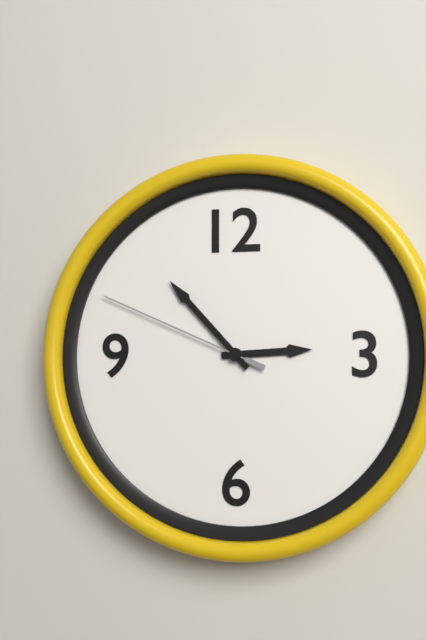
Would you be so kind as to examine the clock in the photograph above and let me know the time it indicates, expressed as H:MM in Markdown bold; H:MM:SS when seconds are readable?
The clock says **2:53:49**
